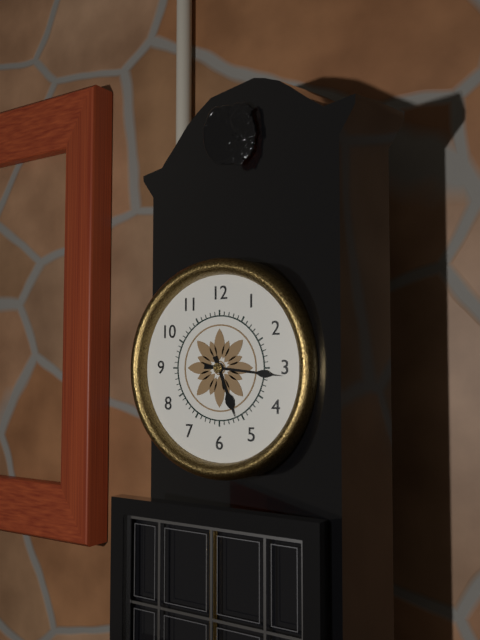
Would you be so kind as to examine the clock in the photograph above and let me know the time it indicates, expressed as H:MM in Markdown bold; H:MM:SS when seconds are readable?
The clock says **5:16**
